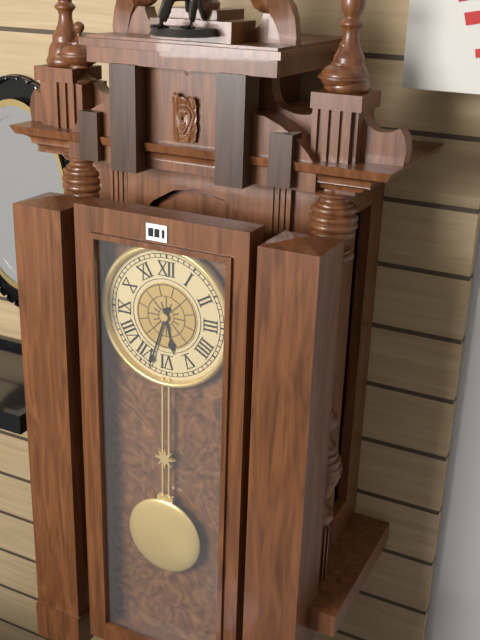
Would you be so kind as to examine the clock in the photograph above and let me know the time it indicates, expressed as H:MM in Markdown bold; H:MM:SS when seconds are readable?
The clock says **5:33**
